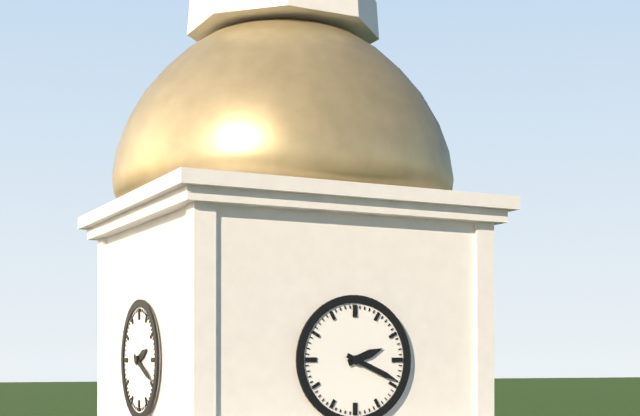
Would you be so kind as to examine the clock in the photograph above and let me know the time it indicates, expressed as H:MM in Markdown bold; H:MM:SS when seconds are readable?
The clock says **2:19**
